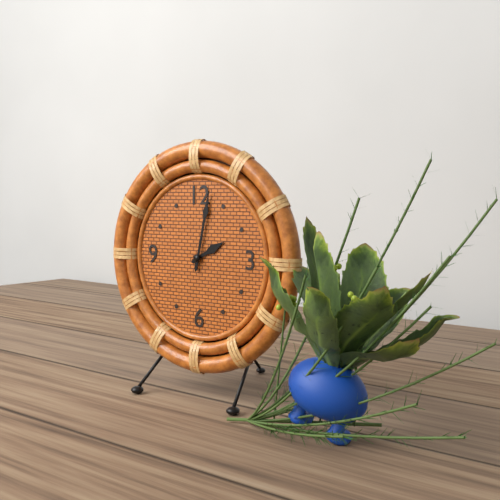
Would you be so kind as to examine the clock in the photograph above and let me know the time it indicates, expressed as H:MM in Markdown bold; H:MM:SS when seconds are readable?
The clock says **2:02**
